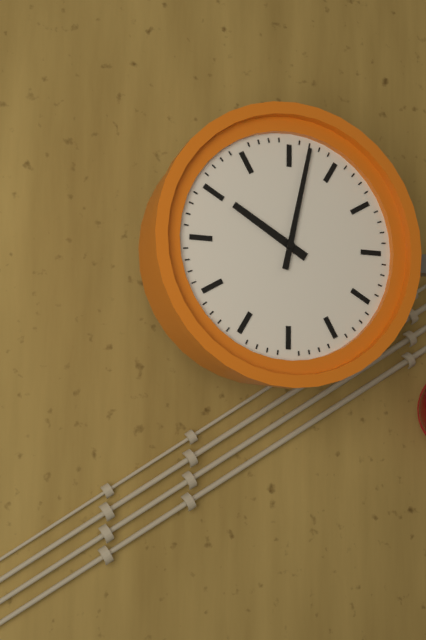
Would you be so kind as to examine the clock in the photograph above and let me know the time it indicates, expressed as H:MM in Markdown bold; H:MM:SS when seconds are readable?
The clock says **10:02**
